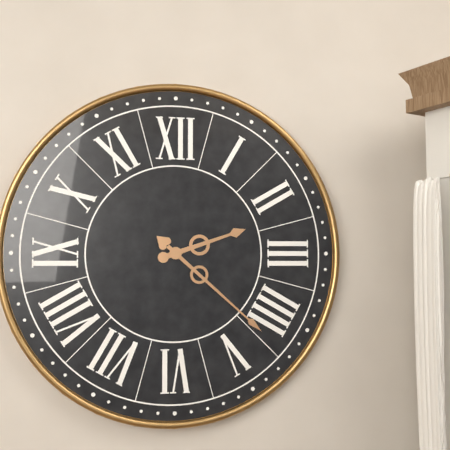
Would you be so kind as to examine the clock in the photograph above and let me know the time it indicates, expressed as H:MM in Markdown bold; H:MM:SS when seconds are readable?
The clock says **2:22**
